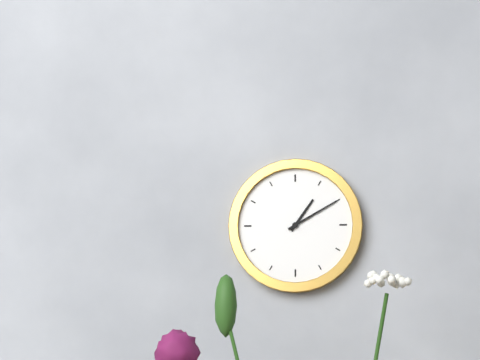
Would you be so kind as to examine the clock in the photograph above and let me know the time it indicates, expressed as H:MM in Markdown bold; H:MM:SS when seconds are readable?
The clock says **1:10**
